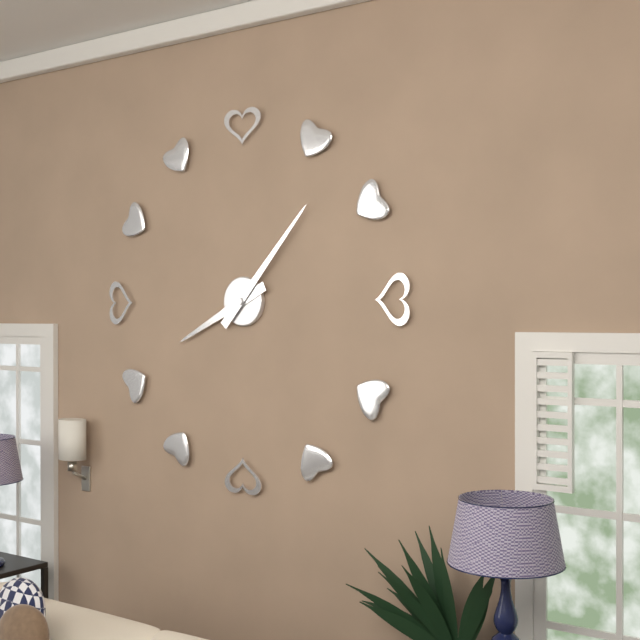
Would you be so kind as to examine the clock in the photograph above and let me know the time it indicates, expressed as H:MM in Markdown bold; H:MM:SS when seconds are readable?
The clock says **8:07**
